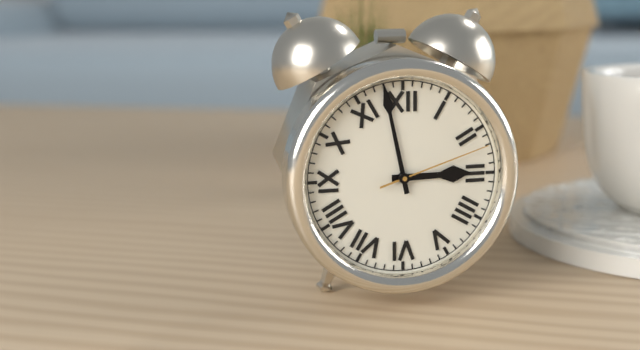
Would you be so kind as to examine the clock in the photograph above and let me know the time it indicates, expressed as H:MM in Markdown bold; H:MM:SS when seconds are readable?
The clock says **2:58:12**
